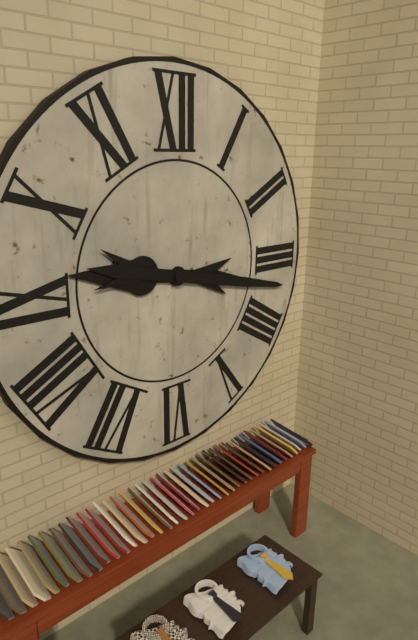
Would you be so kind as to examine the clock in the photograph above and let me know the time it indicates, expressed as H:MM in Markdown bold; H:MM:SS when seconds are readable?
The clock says **9:17**
